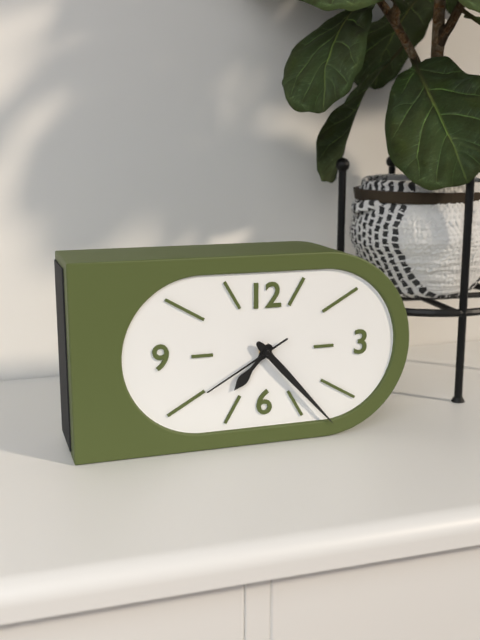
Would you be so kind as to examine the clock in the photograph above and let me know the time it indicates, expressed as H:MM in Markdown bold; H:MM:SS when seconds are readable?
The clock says **7:23:40**
